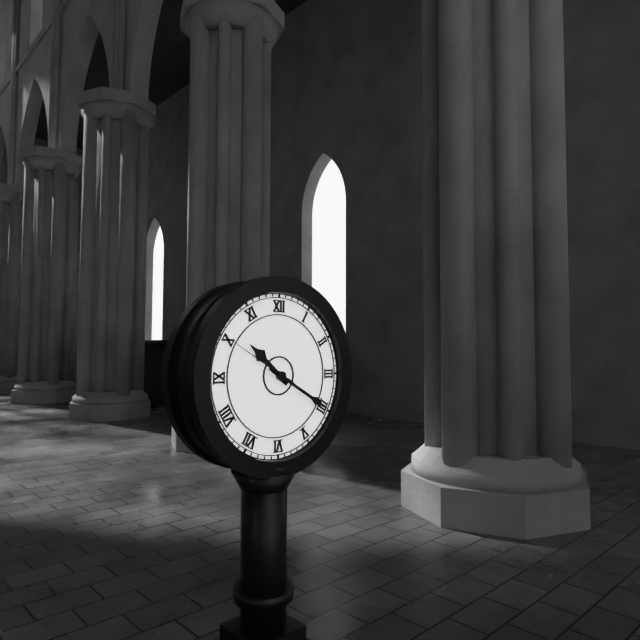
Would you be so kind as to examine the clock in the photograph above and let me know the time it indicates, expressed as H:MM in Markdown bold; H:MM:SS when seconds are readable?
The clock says **10:20:50**
